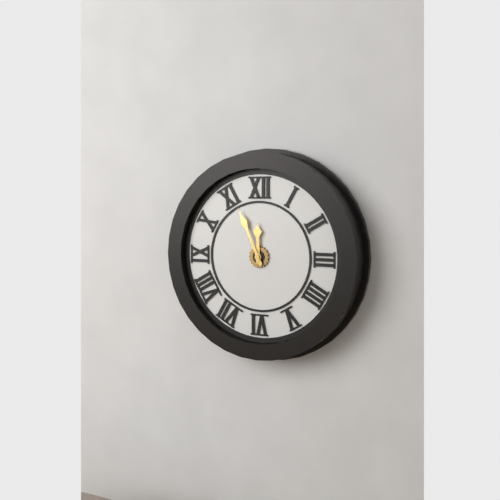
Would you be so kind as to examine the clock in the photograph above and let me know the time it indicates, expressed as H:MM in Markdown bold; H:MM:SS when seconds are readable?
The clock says **11:56**
